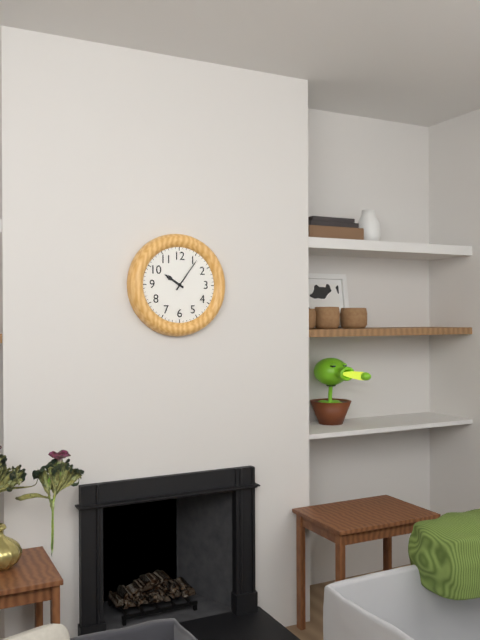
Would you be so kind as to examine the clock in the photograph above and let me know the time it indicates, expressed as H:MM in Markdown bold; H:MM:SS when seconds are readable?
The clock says **10:06**
